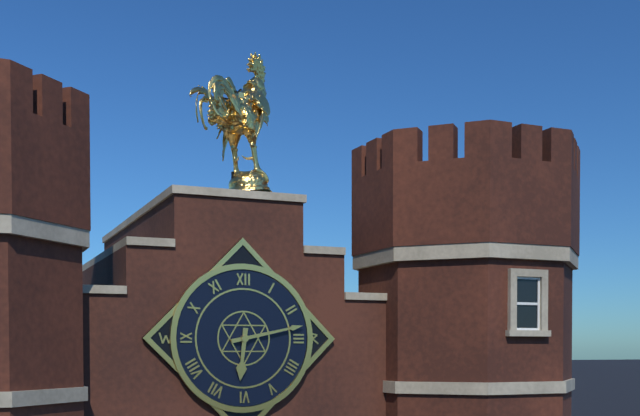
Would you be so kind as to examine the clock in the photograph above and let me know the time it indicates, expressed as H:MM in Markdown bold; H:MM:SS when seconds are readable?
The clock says **6:13**
